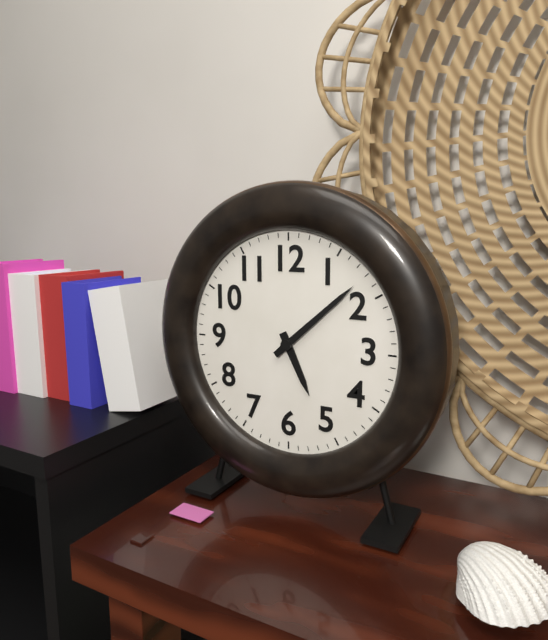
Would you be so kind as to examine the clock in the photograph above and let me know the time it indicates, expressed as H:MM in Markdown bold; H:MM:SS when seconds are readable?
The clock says **5:08**
